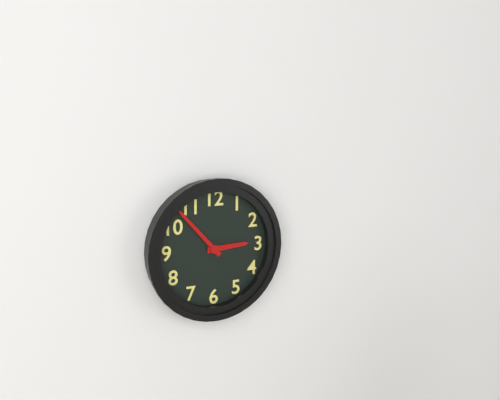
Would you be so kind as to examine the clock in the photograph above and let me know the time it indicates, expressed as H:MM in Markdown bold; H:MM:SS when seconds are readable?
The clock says **2:53**
